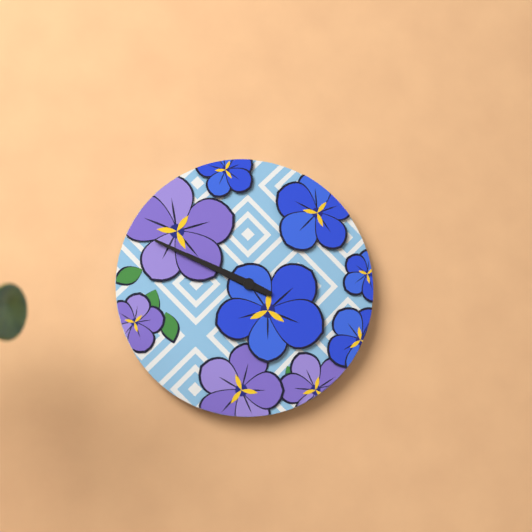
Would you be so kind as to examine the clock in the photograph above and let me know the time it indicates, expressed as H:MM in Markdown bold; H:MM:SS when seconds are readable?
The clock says **9:49**
